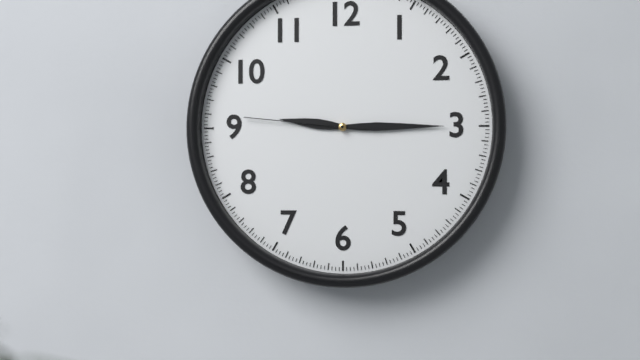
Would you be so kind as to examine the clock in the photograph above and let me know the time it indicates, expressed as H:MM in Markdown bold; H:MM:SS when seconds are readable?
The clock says **9:15:46**
